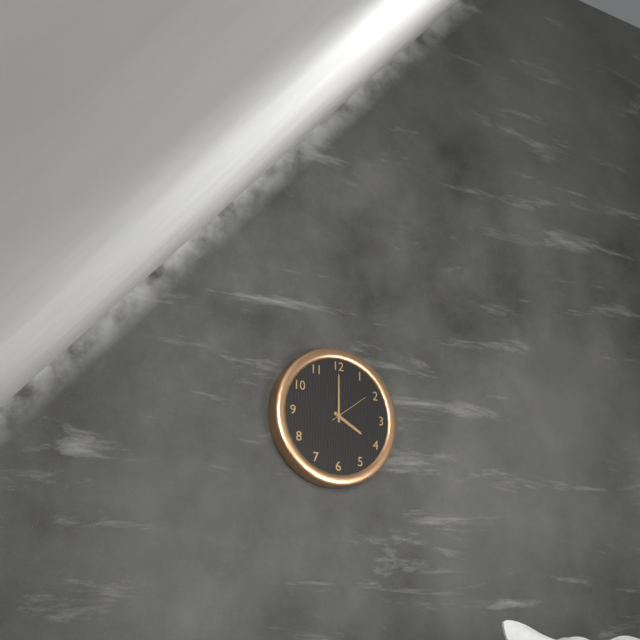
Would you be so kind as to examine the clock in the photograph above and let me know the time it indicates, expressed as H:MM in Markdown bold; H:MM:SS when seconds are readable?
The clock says **4:00**
